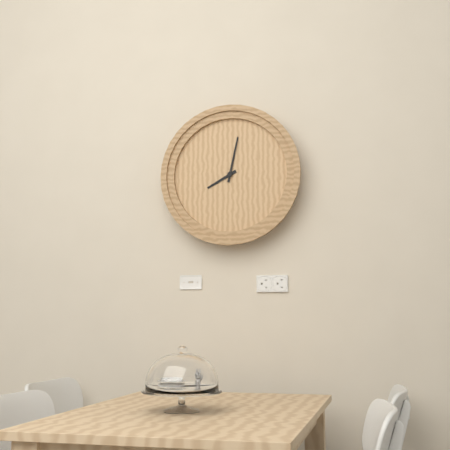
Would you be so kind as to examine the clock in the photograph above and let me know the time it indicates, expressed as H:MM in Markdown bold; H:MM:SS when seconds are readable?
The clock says **8:02**
